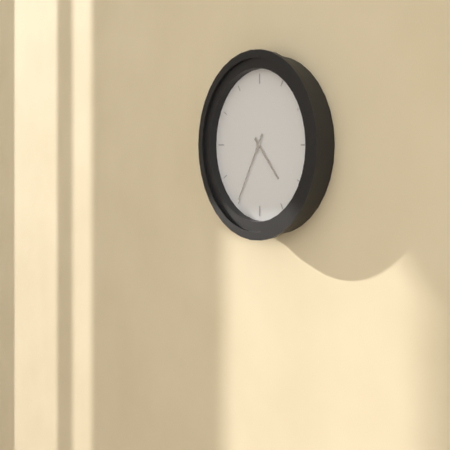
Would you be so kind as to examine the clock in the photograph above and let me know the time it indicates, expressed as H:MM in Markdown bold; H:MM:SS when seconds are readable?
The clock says **4:35**
